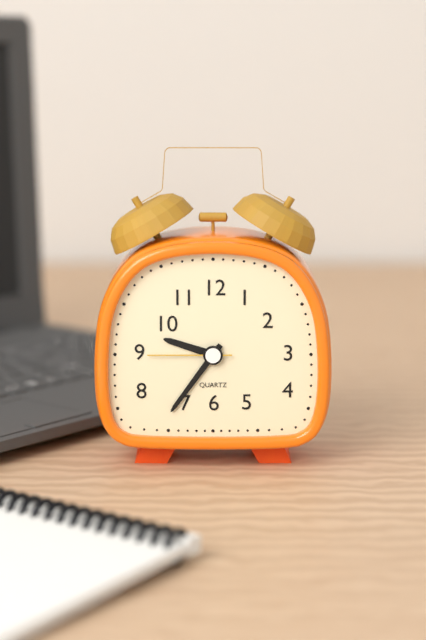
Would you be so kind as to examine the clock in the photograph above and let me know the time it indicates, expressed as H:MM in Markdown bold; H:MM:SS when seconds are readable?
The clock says **9:36:45**
